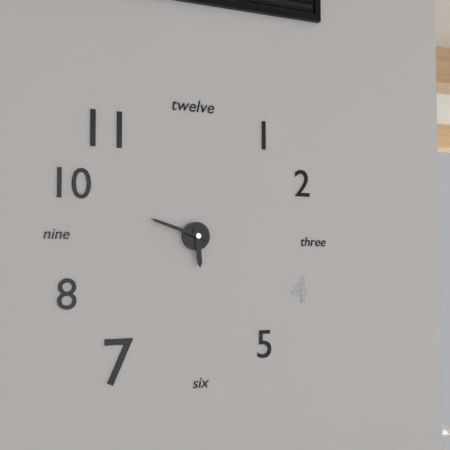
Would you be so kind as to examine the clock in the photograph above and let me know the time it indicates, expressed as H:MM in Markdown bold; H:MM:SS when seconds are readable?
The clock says **5:48**
